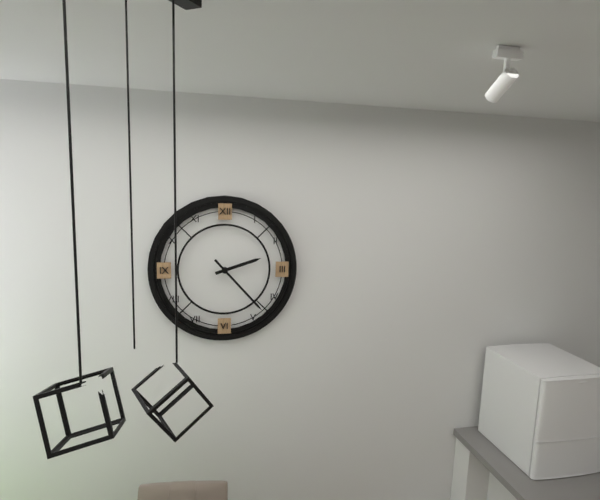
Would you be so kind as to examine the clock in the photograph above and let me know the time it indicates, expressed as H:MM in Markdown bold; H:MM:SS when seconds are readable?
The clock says **2:23**
